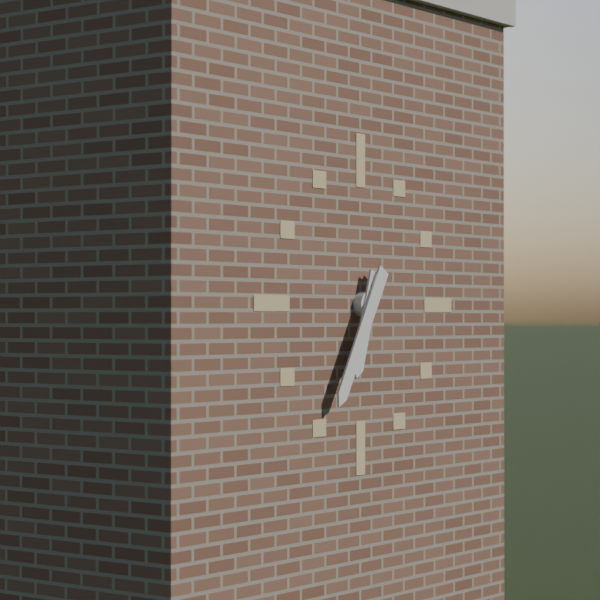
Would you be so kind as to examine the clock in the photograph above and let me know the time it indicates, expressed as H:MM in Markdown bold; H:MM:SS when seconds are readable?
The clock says **6:35**
